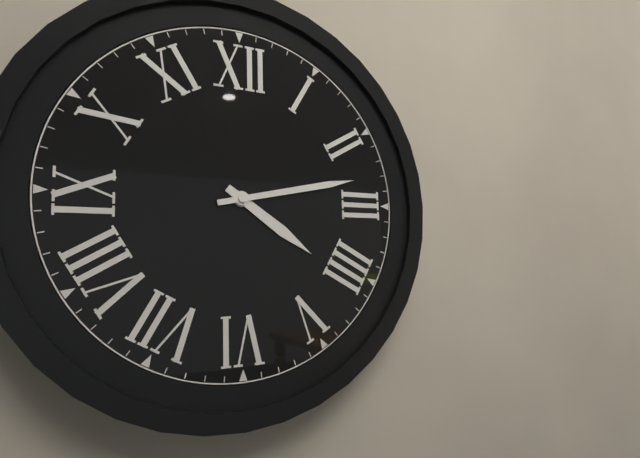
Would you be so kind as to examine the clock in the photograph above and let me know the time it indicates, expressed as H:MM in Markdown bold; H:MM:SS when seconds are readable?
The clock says **4:13**
